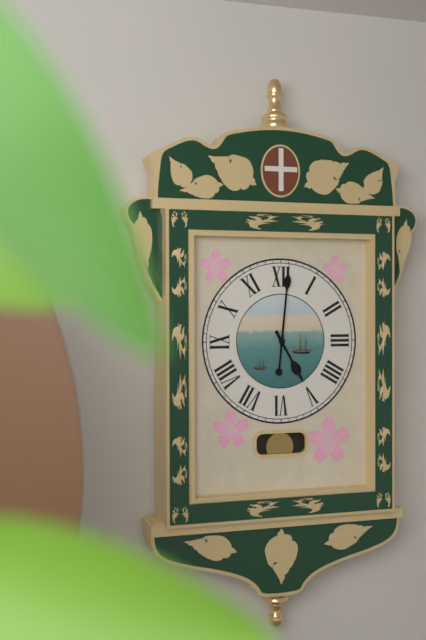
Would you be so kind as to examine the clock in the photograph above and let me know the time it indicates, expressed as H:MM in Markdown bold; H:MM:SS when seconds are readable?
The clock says **5:01**
